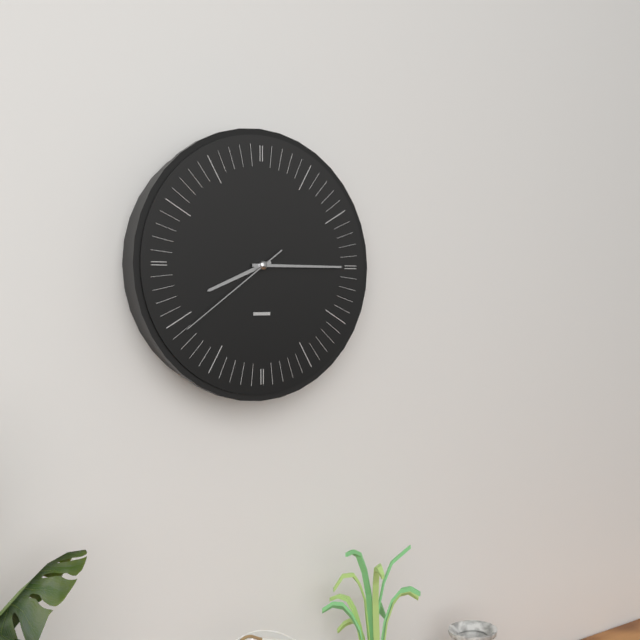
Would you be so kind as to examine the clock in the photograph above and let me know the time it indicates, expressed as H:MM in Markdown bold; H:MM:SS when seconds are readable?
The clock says **8:15:39**
